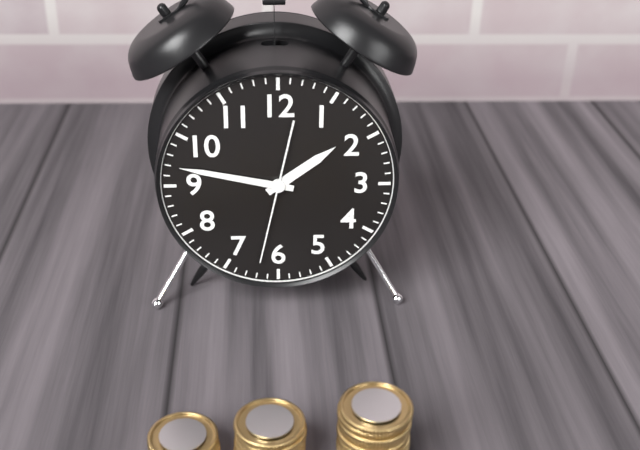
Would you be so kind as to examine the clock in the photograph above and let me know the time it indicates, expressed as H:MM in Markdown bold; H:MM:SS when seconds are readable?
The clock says **1:47:32**
